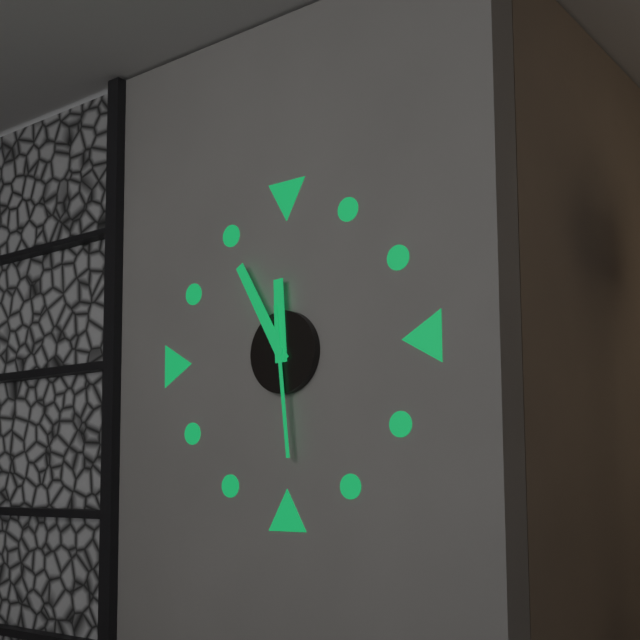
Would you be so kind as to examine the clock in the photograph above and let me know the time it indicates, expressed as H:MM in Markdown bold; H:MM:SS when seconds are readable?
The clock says **11:55:29**
